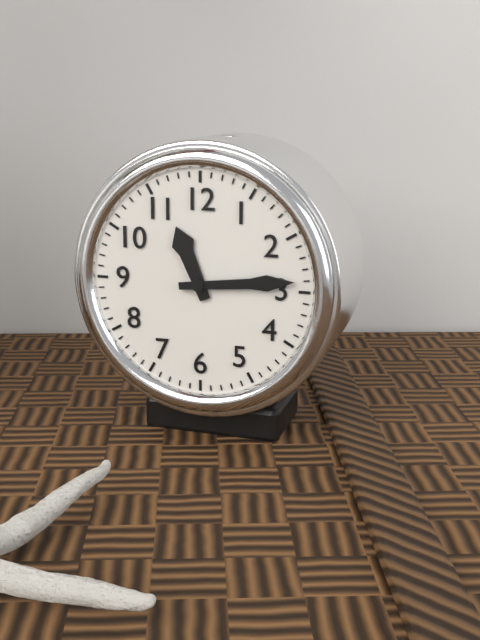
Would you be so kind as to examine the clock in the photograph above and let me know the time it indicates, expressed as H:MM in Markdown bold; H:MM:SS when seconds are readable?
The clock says **11:14**
